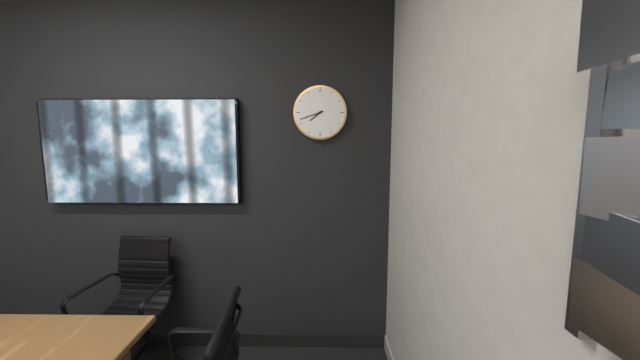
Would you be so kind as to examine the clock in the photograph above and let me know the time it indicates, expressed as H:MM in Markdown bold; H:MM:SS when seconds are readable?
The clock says **7:42**
